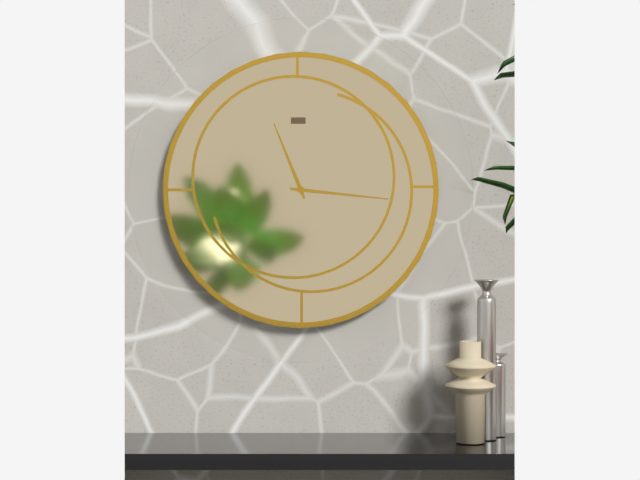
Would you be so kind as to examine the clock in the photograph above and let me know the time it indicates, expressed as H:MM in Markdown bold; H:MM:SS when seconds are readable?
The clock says **11:16**
